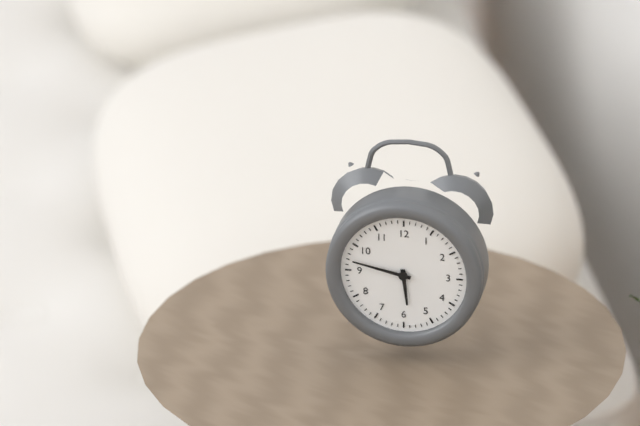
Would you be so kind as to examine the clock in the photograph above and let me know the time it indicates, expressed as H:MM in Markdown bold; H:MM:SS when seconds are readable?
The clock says **5:47**
